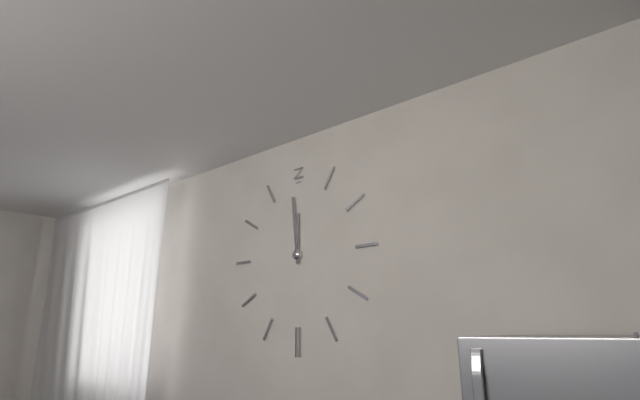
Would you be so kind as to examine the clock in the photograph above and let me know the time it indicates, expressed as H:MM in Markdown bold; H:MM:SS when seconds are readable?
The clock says **11:59**
